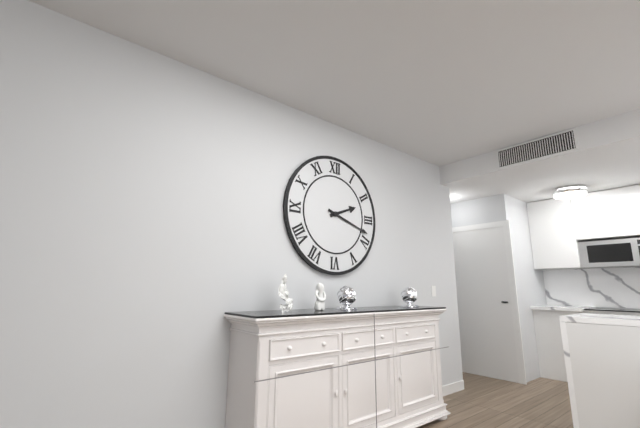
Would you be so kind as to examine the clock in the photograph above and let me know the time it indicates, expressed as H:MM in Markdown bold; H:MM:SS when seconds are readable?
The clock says **2:18**
